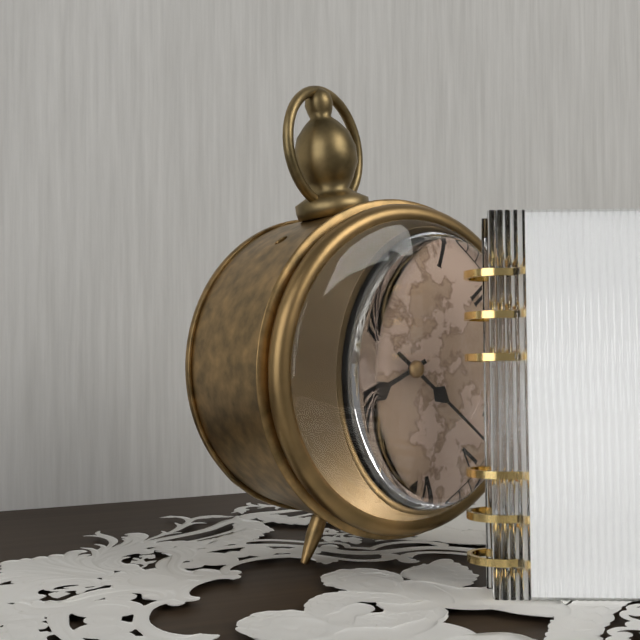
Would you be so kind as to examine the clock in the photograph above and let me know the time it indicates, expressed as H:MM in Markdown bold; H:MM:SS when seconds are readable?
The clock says **8:23**
